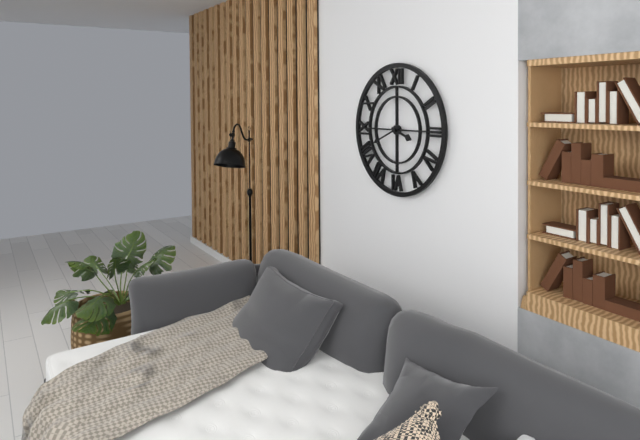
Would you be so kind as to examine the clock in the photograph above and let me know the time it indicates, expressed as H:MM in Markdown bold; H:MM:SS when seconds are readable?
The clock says **3:41**
